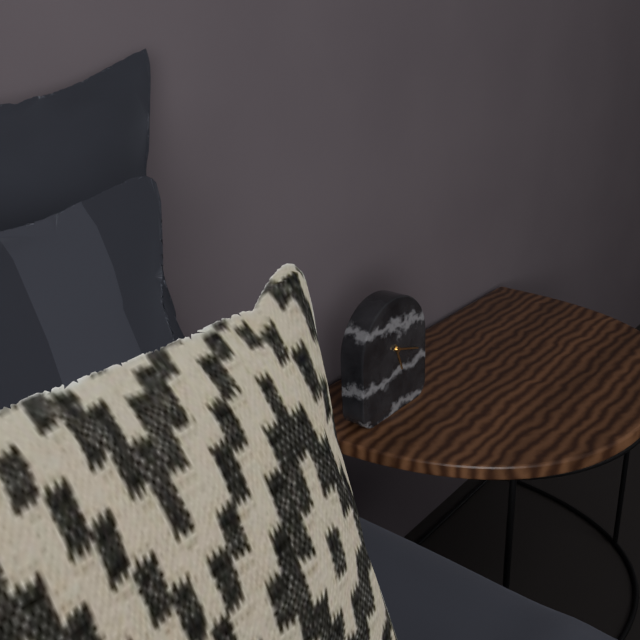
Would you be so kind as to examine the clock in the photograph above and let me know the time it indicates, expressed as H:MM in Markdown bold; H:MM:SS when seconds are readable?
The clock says **5:18**
